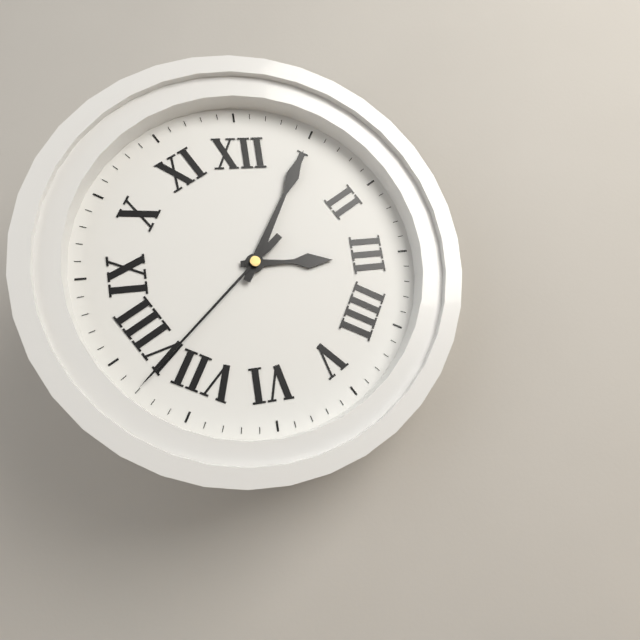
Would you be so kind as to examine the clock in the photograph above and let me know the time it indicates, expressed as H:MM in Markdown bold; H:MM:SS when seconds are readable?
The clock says **3:05:38**
